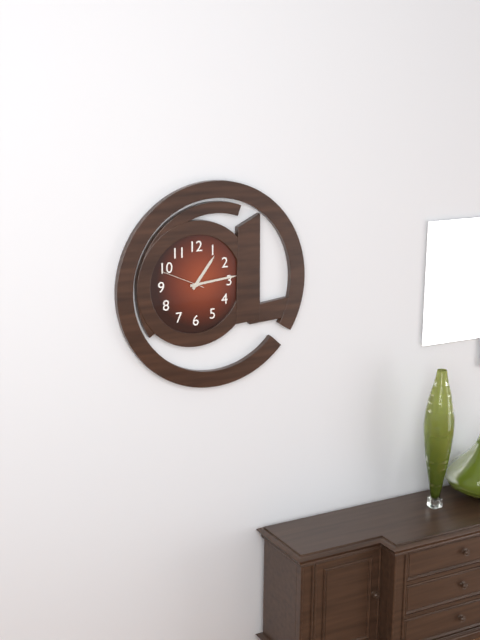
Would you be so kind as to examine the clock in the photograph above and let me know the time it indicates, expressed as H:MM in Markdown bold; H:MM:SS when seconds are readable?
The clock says **1:14**
